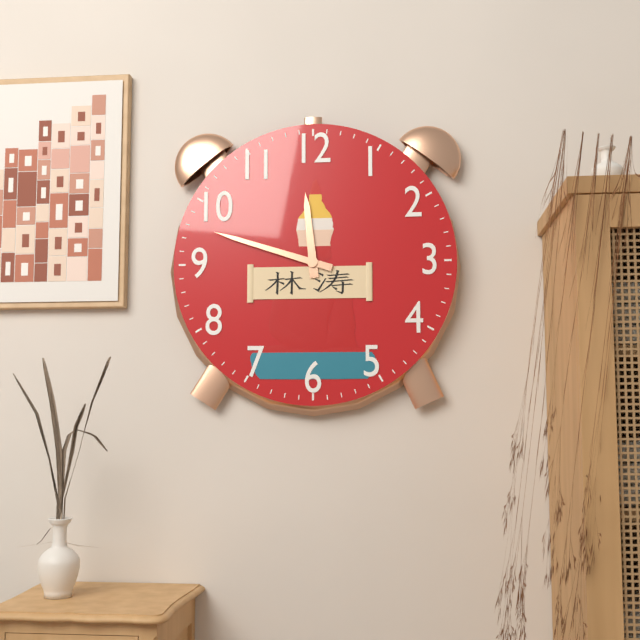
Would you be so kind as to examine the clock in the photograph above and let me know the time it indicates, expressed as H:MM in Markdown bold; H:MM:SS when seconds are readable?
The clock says **11:48**
